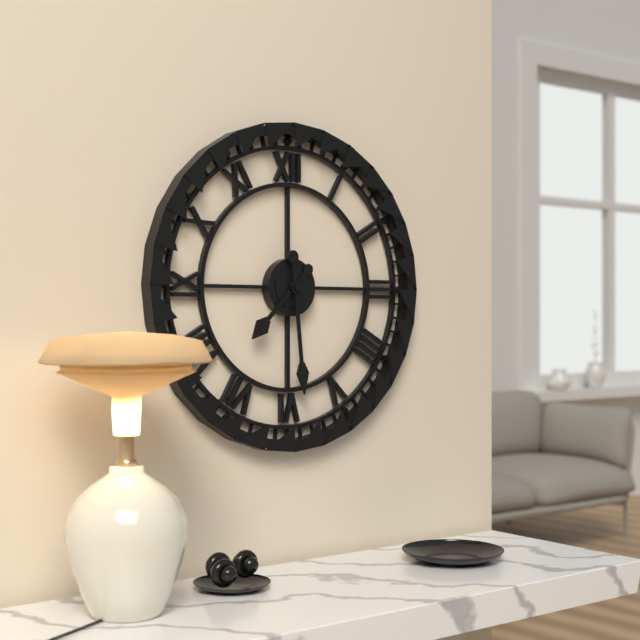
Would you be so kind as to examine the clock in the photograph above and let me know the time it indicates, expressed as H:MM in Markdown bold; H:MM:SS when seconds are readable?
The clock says **7:29**
